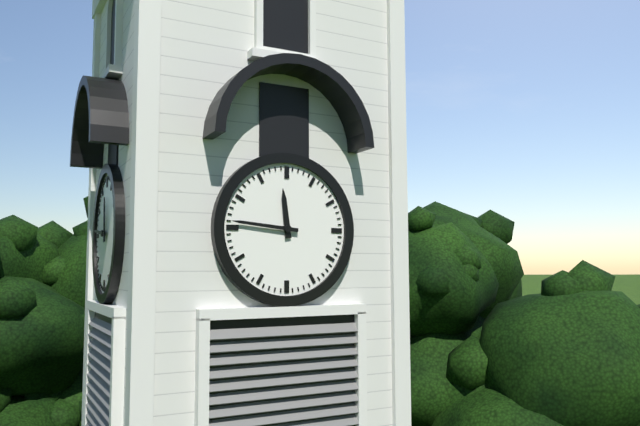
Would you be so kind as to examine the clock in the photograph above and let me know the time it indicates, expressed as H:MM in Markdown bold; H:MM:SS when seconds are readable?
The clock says **11:46**
